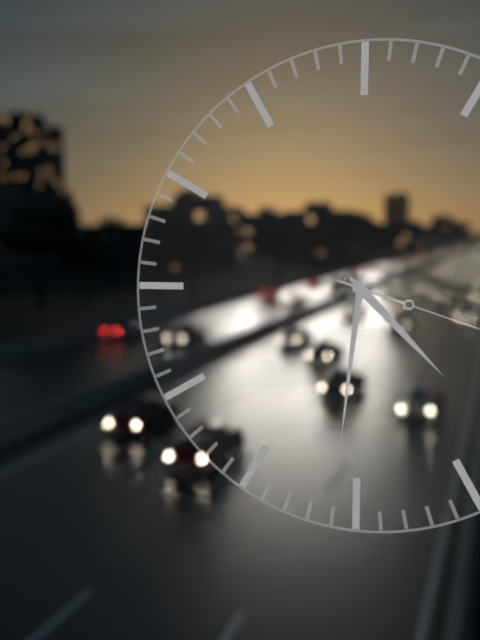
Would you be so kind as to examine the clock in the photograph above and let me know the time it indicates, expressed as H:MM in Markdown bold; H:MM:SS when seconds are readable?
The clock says **4:31**
